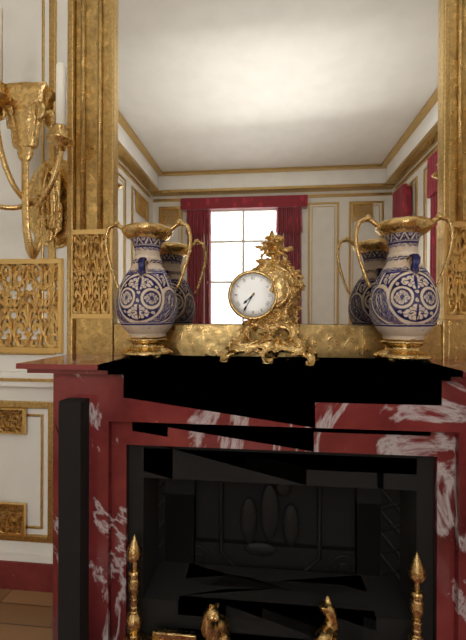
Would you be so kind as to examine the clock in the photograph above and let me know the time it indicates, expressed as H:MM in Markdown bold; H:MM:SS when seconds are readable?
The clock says **7:35**
